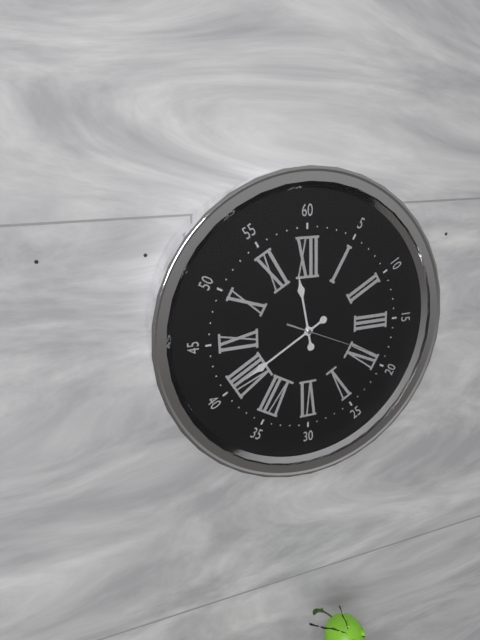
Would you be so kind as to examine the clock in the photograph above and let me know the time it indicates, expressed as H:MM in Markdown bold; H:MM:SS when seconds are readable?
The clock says **11:40:19**
